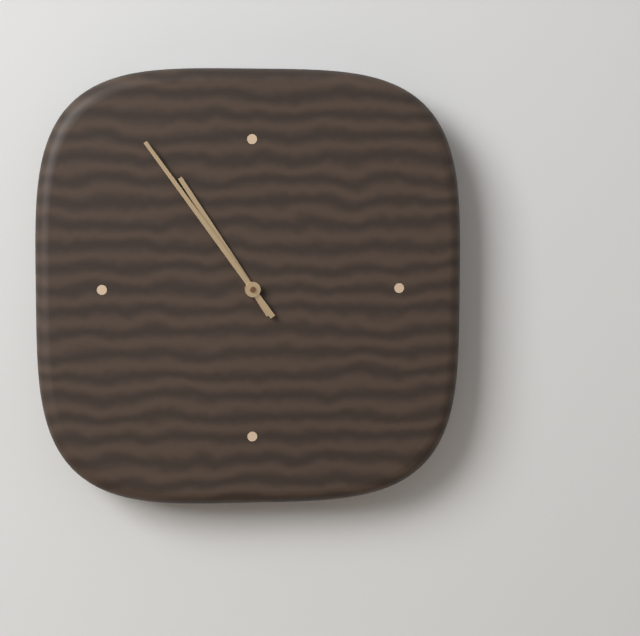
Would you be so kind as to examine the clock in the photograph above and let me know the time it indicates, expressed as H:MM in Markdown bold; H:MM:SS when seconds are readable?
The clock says **10:54**
